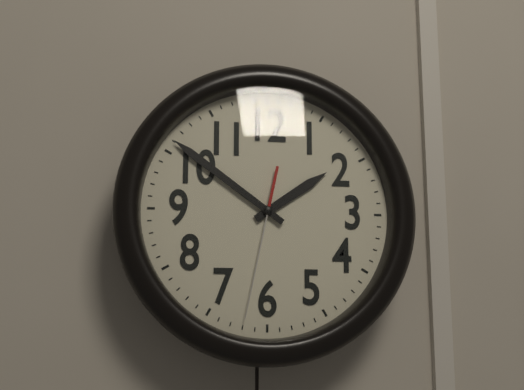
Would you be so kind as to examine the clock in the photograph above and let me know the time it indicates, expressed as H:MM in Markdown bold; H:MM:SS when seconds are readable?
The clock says **1:51:32**
